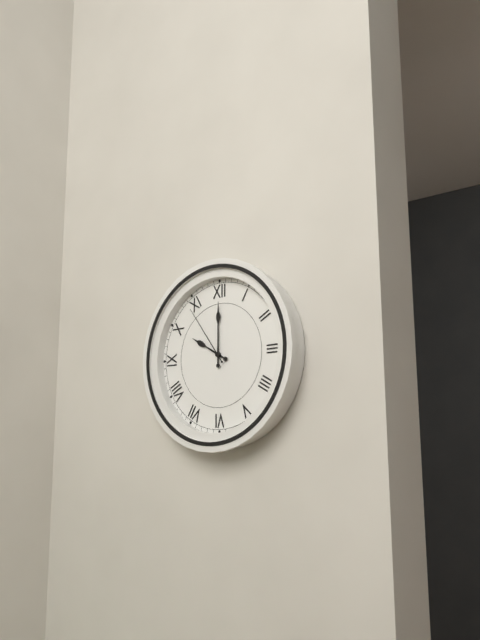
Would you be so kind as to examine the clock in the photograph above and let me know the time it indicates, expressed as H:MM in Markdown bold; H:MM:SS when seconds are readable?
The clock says **10:00:54**
